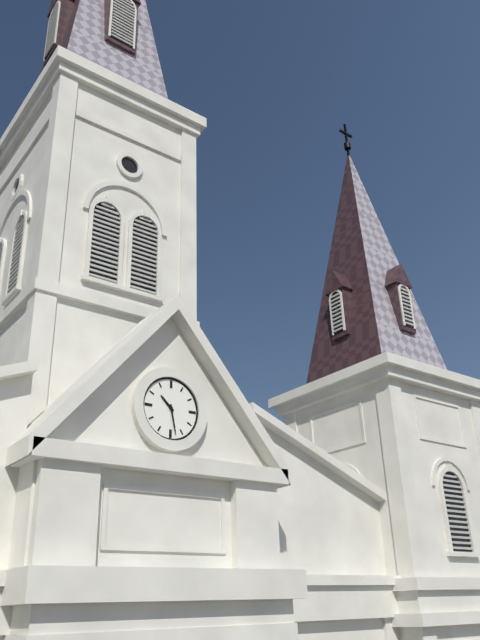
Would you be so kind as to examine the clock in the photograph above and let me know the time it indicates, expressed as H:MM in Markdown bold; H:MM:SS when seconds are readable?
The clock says **10:28**
